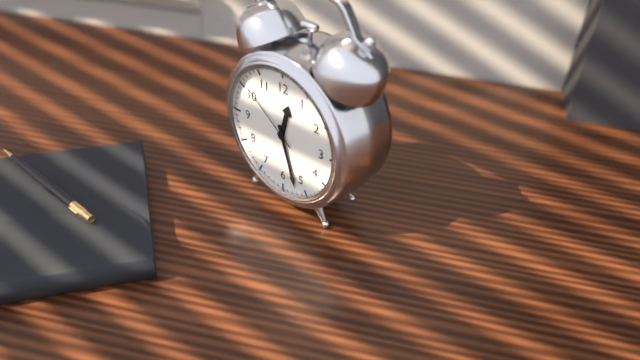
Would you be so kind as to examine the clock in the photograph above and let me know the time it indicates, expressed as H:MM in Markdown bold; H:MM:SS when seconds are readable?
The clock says **12:27:51**
